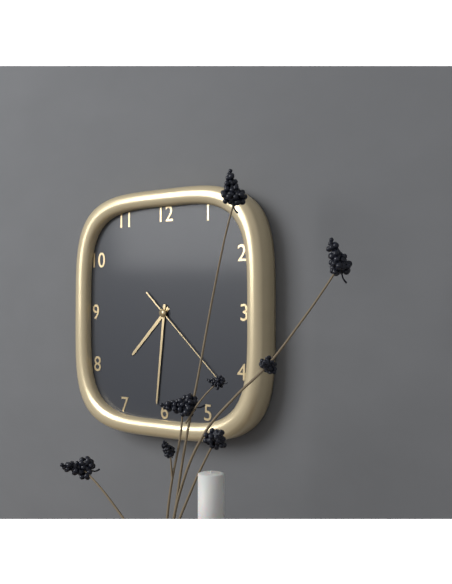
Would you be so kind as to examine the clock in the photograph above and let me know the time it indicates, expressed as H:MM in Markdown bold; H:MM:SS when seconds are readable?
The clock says **7:31:22**
